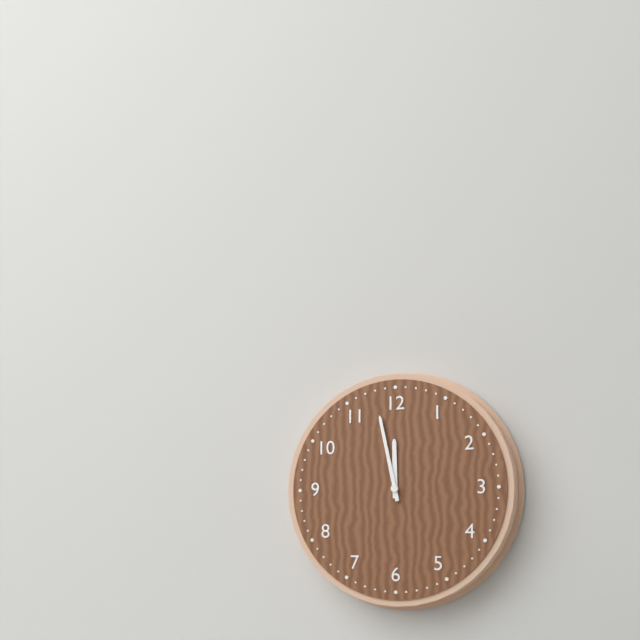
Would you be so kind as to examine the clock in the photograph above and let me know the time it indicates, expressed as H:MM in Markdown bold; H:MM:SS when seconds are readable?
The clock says **11:58**
